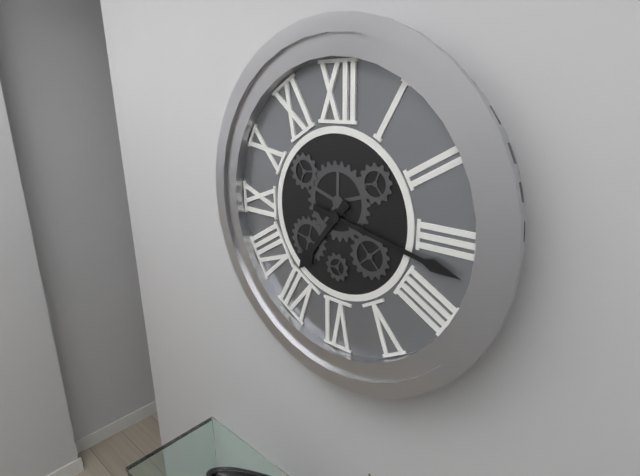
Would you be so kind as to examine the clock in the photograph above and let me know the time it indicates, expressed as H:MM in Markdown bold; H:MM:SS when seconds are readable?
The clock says **7:17**
